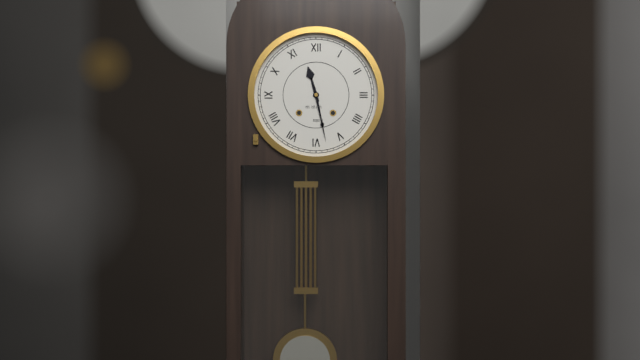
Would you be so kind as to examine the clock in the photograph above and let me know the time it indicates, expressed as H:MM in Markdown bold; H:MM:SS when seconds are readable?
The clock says **11:28**
